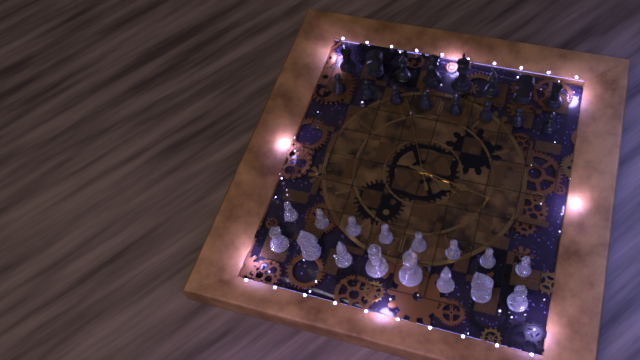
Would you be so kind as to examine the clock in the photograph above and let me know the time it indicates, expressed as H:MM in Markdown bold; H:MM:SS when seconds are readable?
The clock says **9:47:26**
